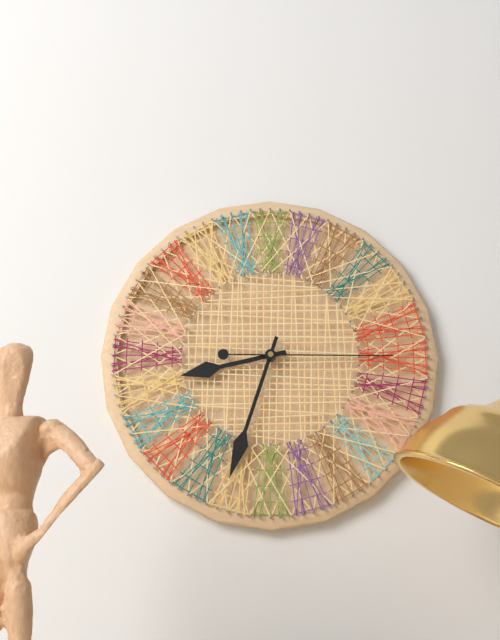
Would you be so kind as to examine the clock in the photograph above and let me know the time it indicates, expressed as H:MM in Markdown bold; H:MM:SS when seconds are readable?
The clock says **8:33:15**
